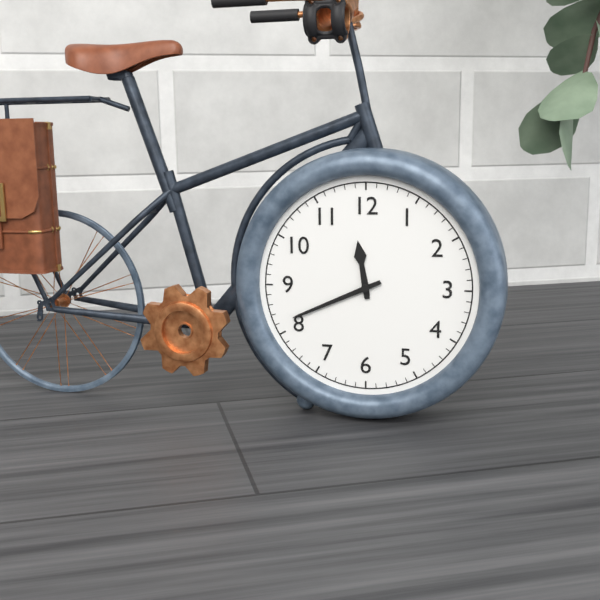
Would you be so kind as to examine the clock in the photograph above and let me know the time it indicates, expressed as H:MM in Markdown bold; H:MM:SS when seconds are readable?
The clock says **11:41**
